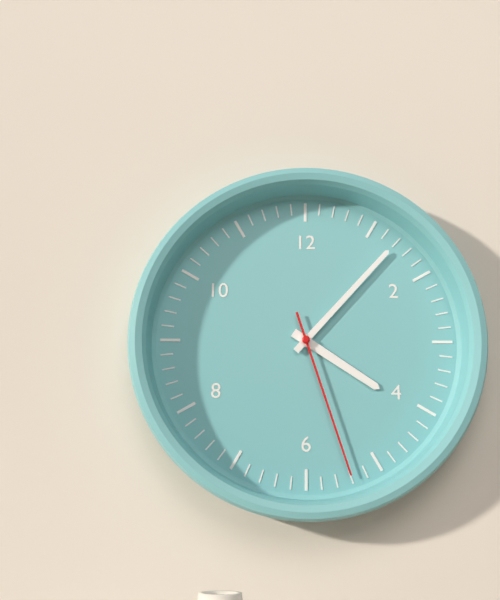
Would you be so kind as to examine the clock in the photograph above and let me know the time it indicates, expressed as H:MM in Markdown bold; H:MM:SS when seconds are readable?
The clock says **4:07:27**
